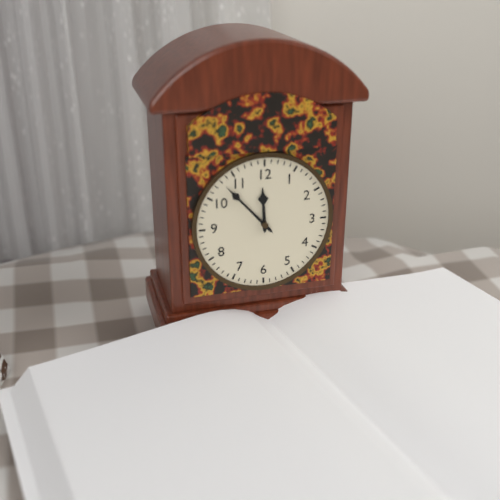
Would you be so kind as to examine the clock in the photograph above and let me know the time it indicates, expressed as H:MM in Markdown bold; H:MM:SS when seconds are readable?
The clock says **11:53**
